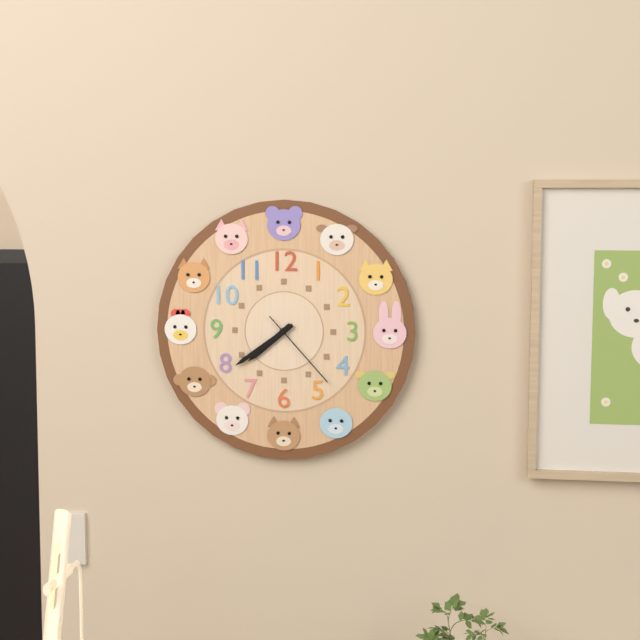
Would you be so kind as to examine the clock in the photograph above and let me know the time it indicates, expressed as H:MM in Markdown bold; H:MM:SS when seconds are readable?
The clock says **7:39:23**
